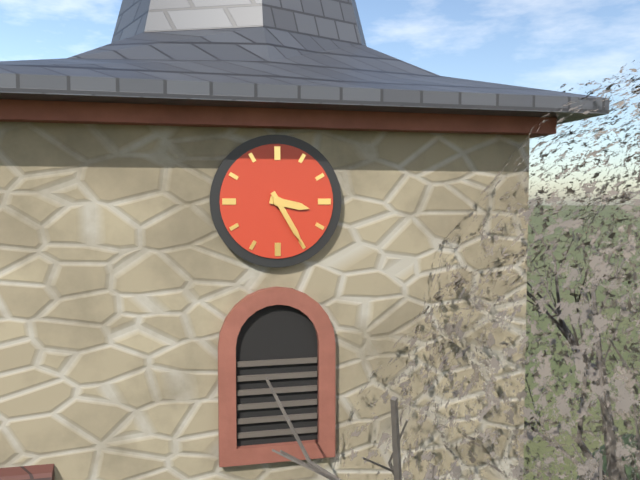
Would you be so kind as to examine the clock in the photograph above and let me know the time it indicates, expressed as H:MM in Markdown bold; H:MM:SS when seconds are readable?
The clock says **3:25**
